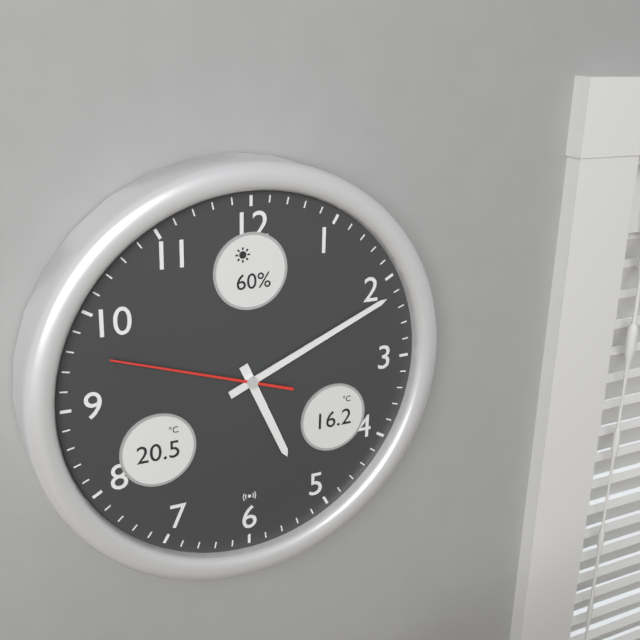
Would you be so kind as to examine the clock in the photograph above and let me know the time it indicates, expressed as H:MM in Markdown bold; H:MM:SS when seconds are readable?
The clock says **5:11:48**
